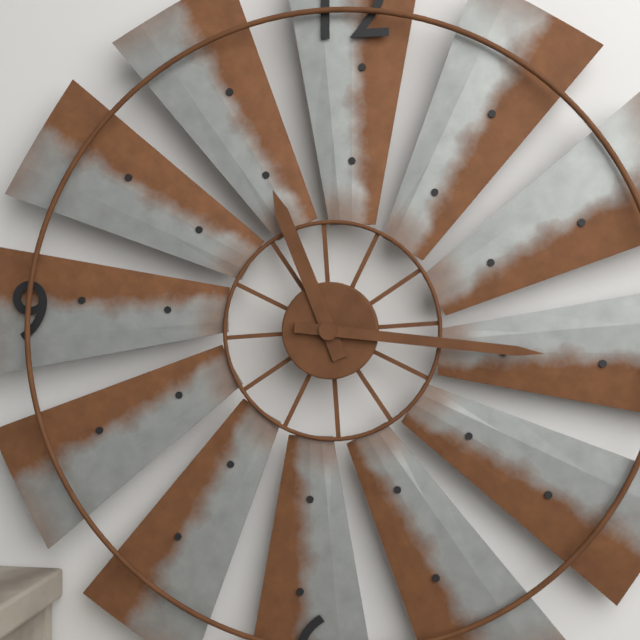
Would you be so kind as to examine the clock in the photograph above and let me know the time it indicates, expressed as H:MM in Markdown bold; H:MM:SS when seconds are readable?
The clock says **11:16**
